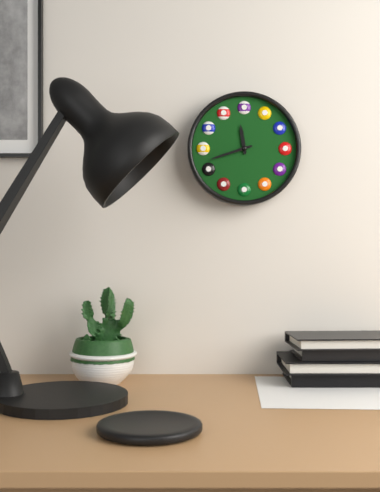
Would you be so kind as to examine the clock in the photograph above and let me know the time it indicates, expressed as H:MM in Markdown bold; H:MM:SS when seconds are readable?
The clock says **11:42**
